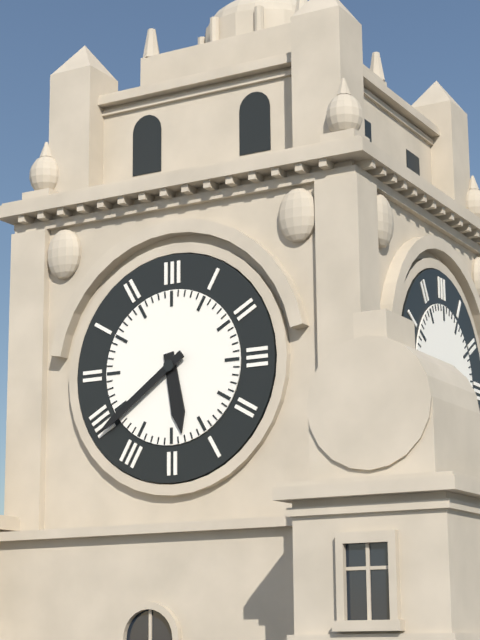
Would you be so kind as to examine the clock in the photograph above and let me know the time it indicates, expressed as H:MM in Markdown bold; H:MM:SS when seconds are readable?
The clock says **5:39**
